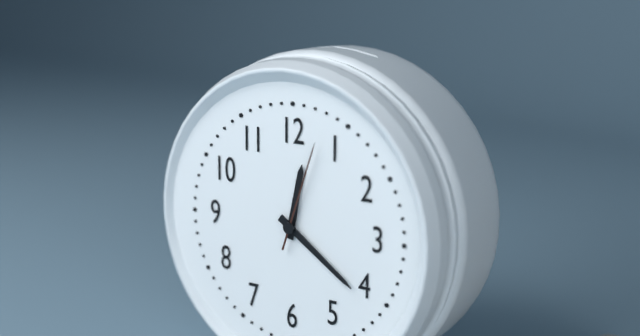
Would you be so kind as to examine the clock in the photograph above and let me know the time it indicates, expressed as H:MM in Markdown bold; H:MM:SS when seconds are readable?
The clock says **12:21:03**
